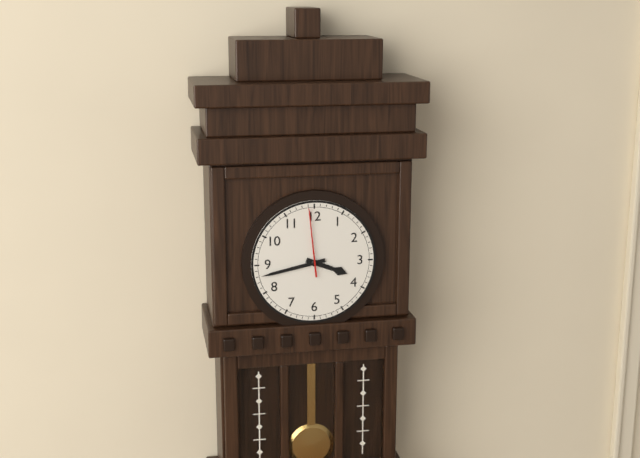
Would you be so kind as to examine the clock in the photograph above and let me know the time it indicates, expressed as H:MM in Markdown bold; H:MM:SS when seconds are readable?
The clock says **3:43:59**
